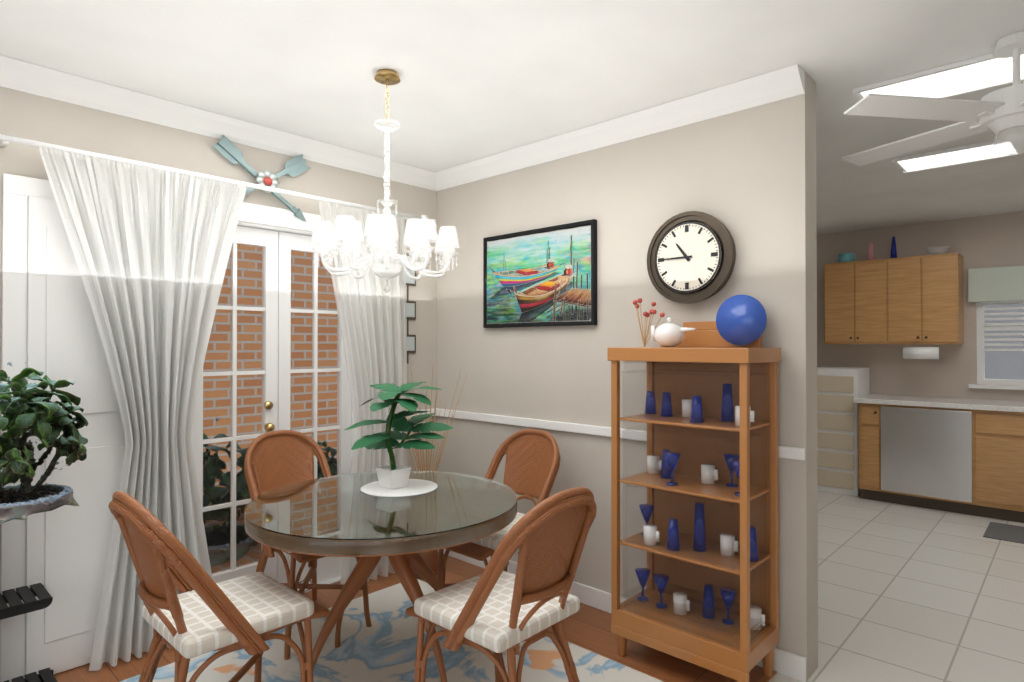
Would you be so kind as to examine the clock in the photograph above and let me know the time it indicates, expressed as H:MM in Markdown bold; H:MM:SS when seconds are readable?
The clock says **10:45**
